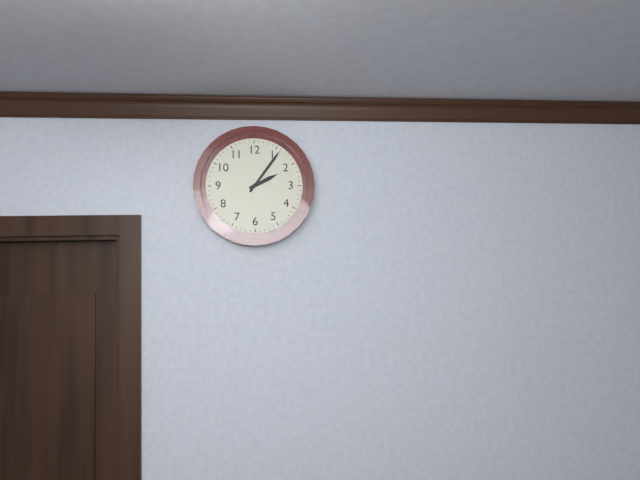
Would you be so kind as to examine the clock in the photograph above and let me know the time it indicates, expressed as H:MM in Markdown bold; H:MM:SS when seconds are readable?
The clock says **2:06**
